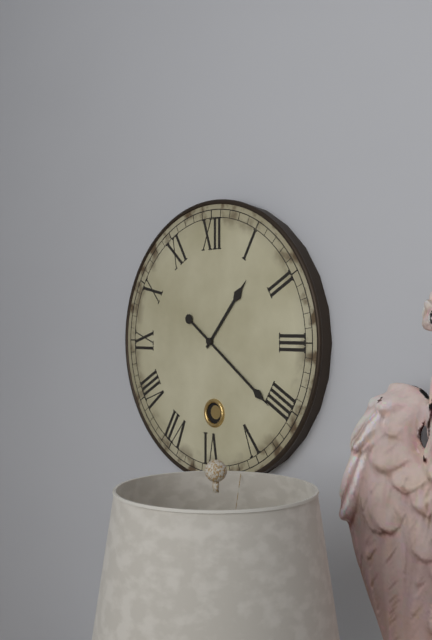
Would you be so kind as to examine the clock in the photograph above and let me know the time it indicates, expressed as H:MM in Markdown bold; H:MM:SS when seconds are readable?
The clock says **1:21**
